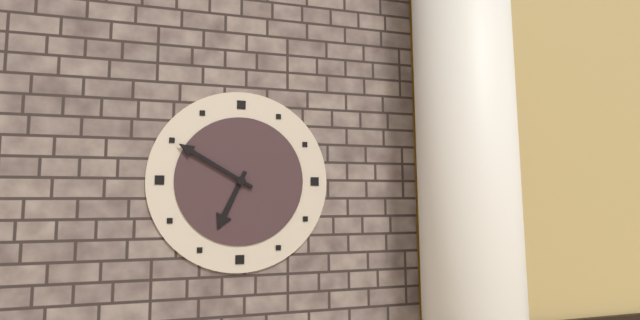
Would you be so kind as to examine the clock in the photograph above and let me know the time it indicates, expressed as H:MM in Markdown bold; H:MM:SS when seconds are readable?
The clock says **6:50**
